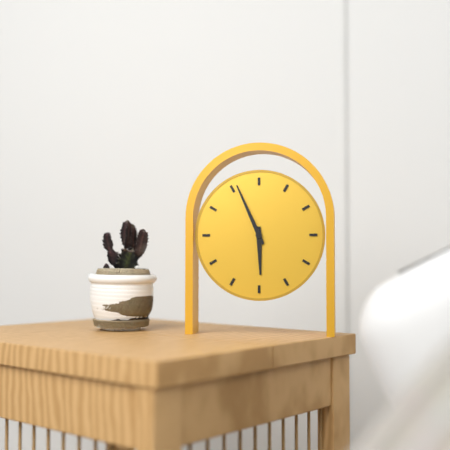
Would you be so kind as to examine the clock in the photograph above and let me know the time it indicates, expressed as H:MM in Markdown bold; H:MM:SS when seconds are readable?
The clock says **5:56**
